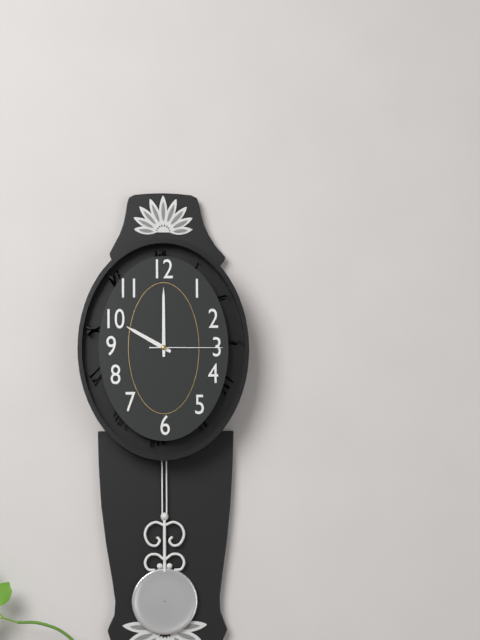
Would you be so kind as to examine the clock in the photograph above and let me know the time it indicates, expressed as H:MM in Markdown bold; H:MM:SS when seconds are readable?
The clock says **10:00:15**
